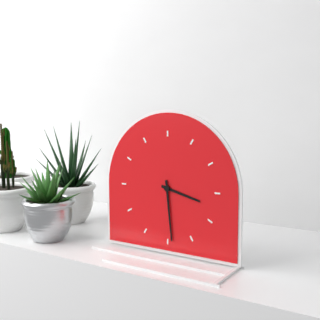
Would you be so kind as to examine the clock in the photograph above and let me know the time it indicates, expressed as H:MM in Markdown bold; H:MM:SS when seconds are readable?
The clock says **3:29**
